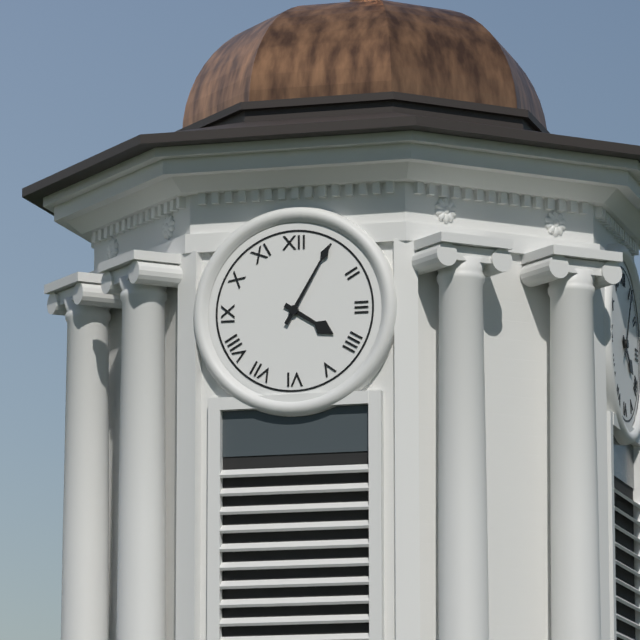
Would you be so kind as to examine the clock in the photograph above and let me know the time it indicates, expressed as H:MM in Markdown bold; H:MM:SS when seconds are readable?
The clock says **4:05**
